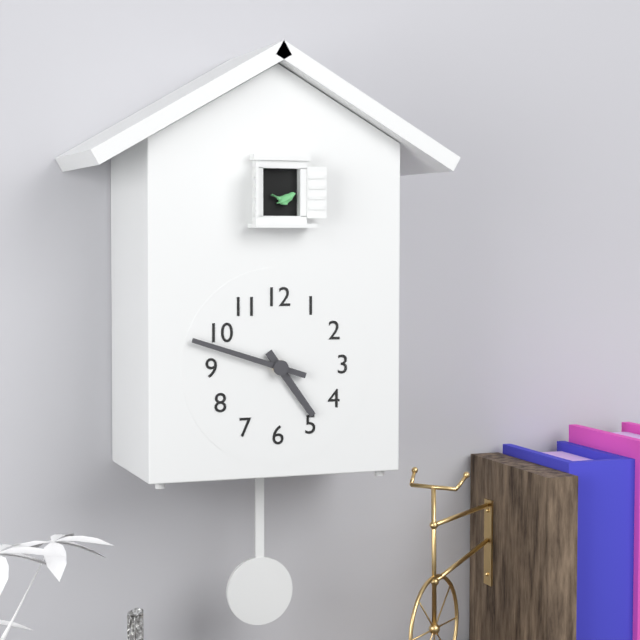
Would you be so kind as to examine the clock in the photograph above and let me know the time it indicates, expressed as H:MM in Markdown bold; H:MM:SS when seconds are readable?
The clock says **4:48**
